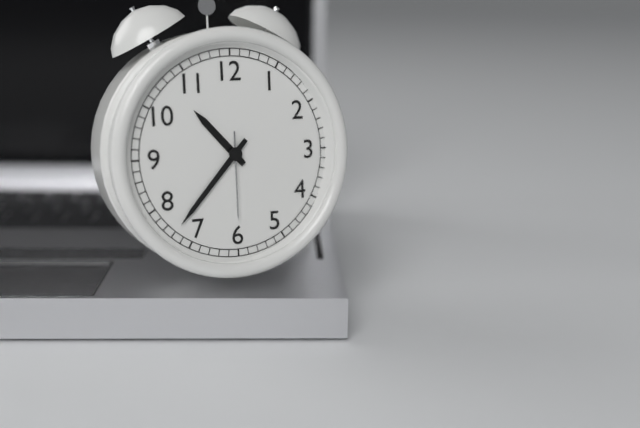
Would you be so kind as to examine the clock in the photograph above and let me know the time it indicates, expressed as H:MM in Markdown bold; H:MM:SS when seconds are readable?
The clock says **10:37:30**
